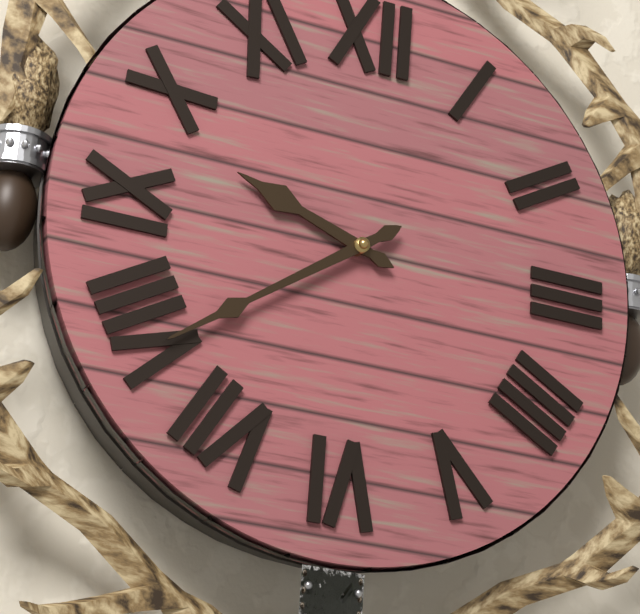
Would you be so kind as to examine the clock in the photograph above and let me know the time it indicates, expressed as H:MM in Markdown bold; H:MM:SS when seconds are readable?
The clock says **9:39**
